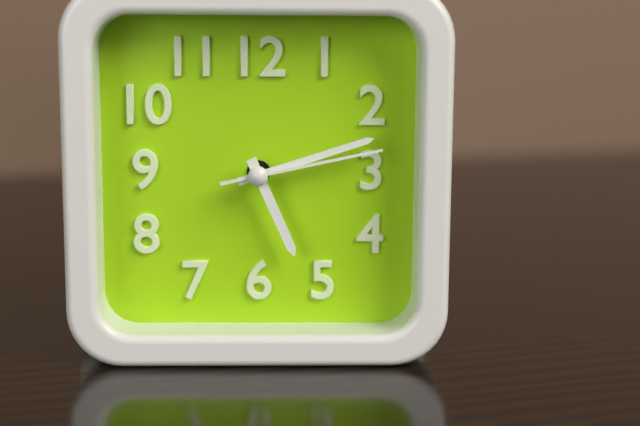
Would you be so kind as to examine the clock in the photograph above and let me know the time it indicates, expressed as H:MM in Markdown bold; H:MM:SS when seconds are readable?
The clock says **5:12:13**
